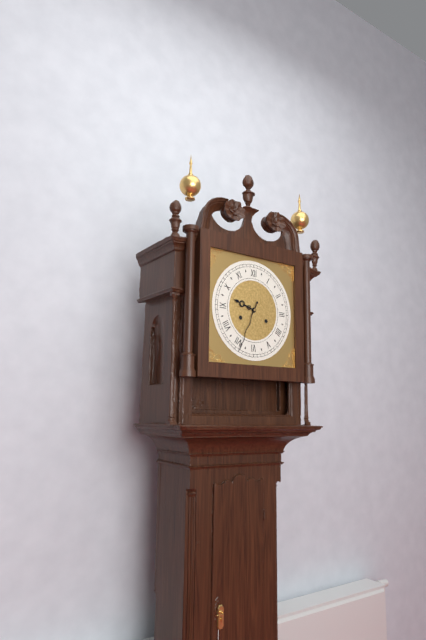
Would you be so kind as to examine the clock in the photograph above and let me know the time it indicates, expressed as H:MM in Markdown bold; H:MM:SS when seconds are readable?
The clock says **9:34**
